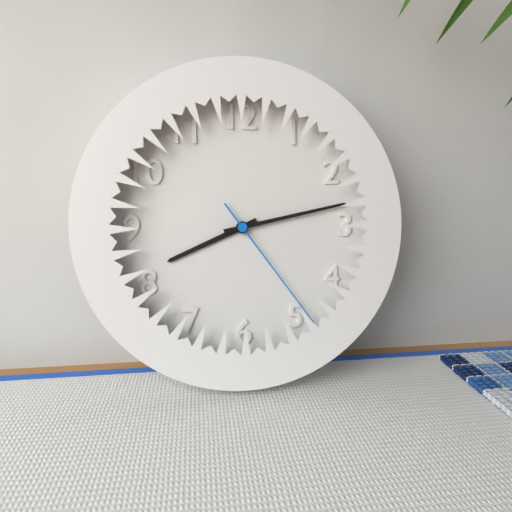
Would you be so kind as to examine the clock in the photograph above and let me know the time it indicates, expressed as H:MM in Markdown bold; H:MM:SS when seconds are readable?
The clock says **8:13:24**
